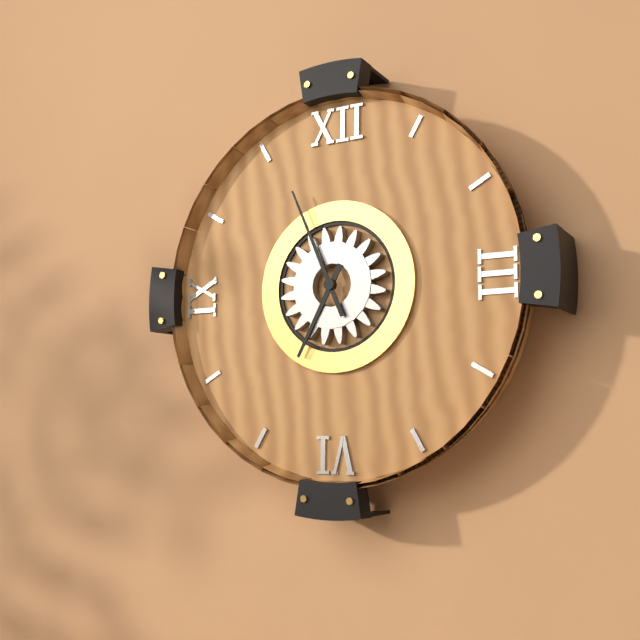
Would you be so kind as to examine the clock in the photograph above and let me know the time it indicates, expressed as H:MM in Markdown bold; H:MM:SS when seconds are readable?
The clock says **6:56**
